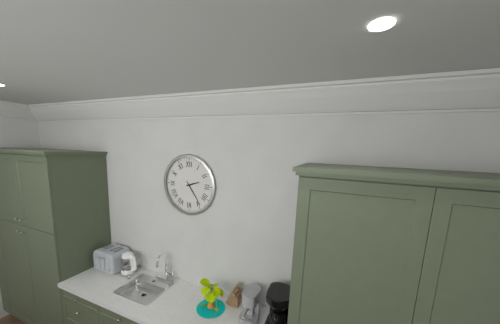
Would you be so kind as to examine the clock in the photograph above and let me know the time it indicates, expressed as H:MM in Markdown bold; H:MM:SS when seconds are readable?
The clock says **2:24**
